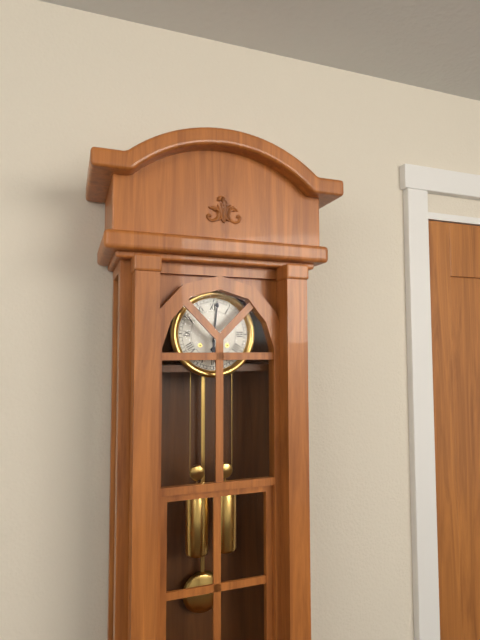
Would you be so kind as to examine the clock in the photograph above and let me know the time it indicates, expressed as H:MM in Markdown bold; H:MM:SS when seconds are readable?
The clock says **6:01**
